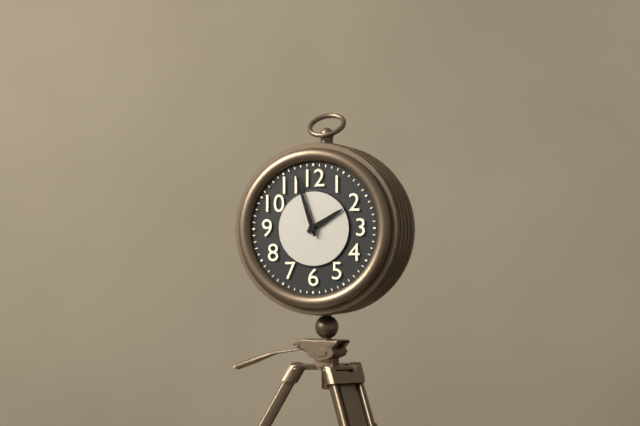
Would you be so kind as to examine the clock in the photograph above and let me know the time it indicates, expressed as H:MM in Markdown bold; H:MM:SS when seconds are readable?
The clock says **1:57**
